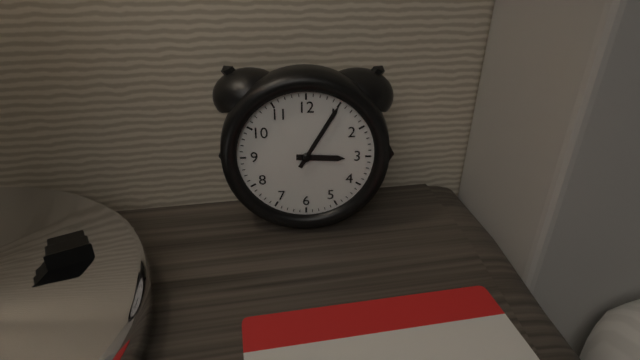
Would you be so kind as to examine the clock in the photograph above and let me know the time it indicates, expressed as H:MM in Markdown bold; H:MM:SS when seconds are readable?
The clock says **3:05**
